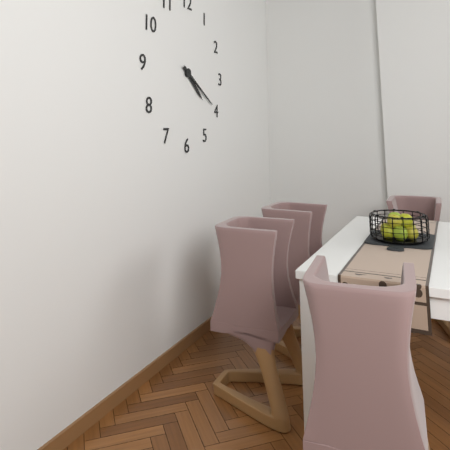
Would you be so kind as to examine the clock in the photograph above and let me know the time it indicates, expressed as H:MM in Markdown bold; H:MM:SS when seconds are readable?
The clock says **4:20**
